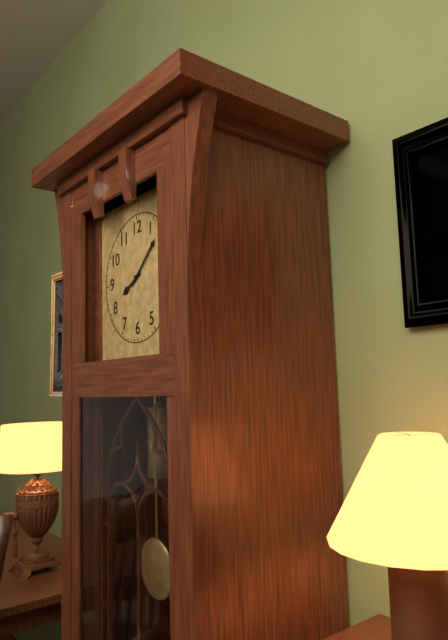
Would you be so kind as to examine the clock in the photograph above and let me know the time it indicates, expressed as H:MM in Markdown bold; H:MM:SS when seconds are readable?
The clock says **8:08**
